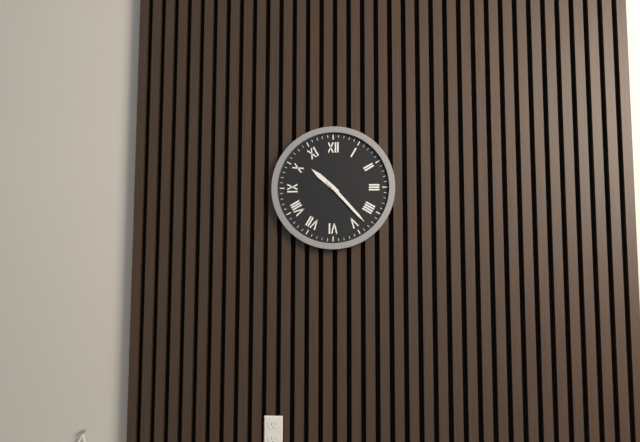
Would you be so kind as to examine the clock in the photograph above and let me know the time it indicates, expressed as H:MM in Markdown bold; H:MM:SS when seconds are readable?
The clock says **10:23**
